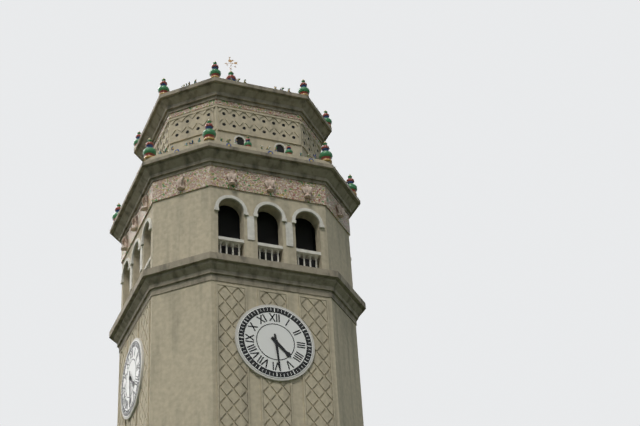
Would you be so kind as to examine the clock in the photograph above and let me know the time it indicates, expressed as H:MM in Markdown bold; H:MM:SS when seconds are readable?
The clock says **4:29**
